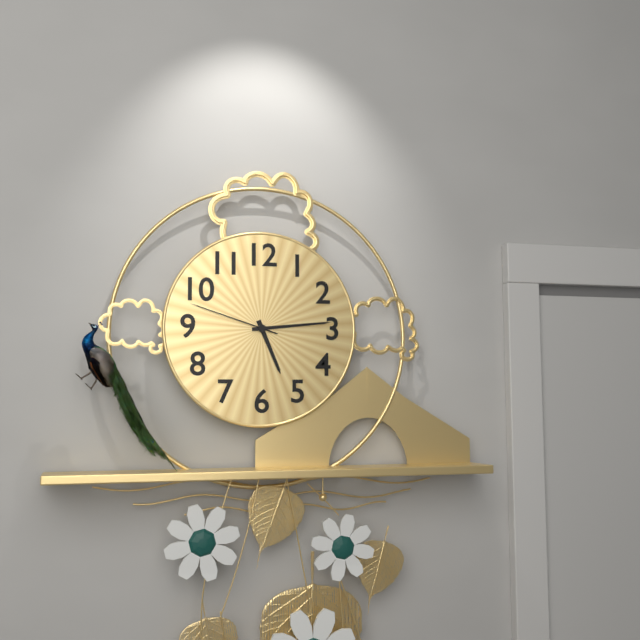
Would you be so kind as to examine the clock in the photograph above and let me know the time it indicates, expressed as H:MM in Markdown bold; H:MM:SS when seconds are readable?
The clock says **5:14:48**
